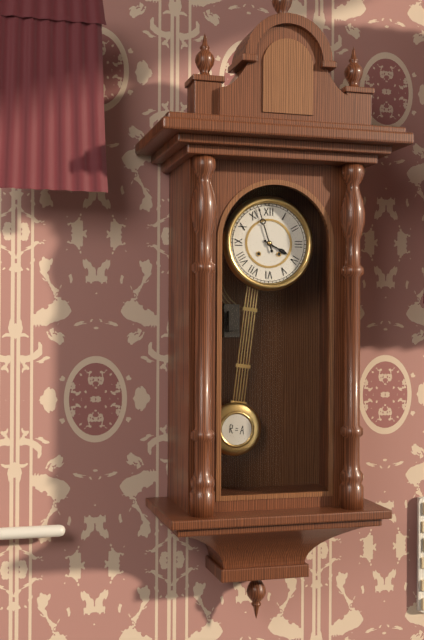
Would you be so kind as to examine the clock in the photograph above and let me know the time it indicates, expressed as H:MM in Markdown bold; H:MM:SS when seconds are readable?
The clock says **3:57**
